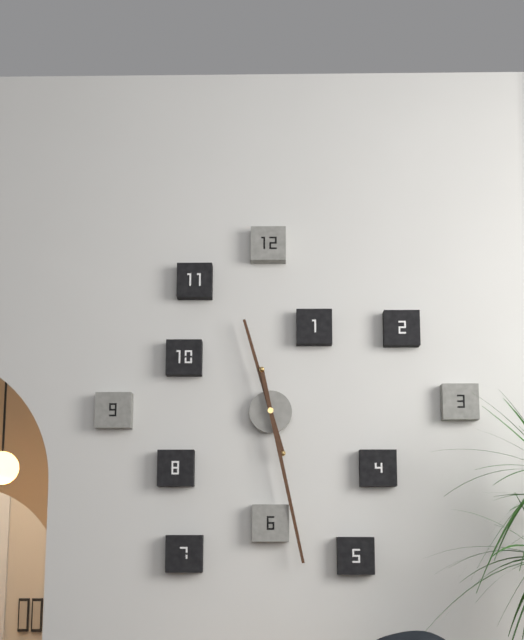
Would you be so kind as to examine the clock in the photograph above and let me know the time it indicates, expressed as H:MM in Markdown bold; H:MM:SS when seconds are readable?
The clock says **11:28**
